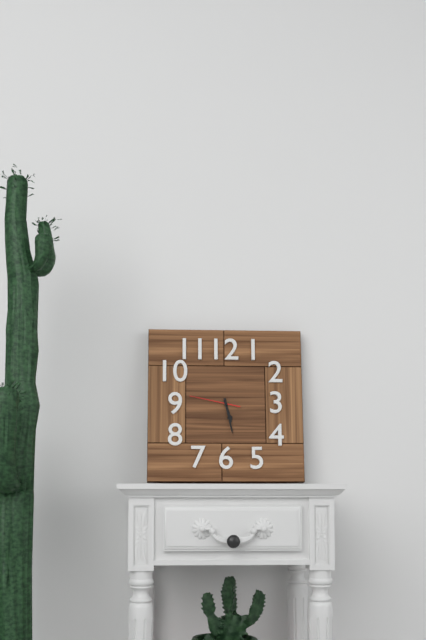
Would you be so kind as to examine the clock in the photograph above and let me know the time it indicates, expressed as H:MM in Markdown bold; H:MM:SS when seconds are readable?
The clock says **5:28**
